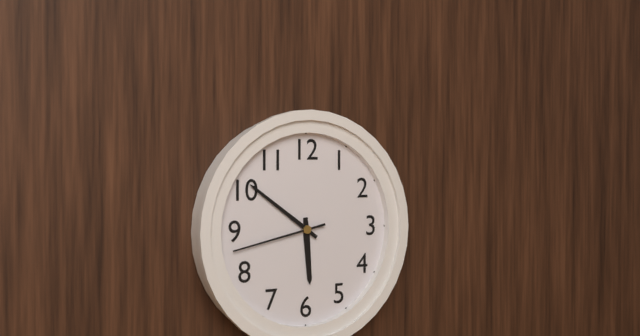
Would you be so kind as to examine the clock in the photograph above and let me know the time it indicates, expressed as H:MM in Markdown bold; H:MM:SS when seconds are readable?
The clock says **5:51:43**
